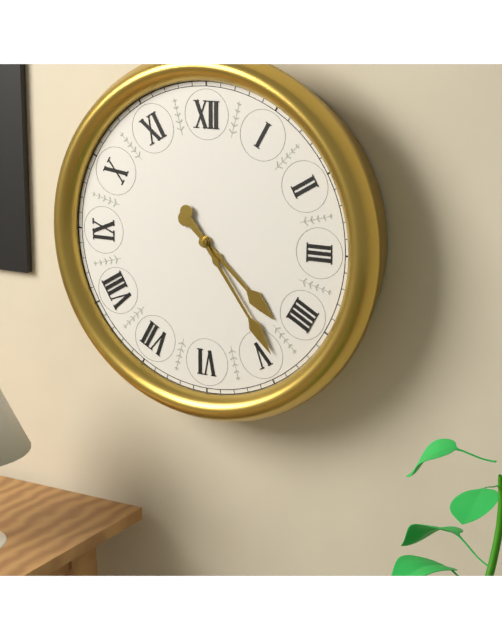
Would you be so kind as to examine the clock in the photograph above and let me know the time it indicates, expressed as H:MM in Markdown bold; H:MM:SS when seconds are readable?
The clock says **4:24**
